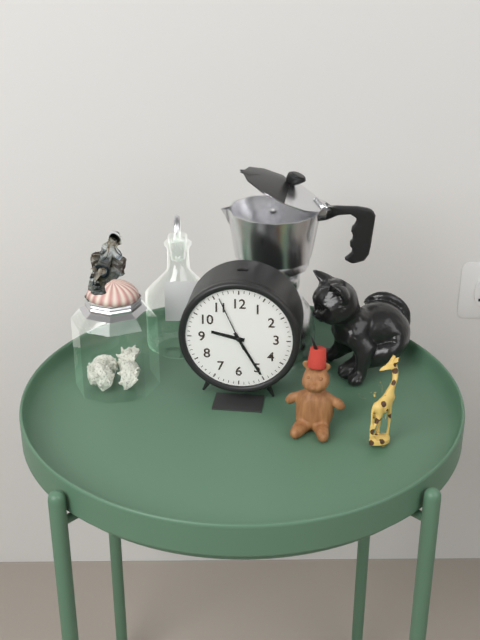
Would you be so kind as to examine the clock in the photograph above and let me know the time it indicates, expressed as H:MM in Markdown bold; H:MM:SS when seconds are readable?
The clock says **9:25:56**
